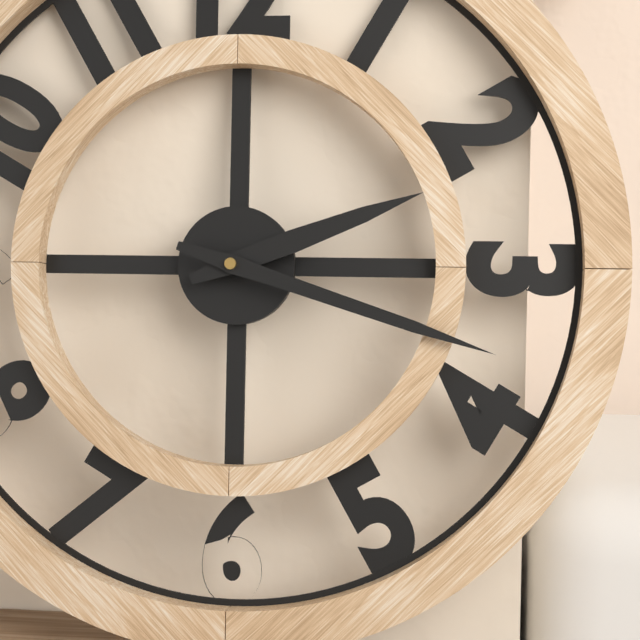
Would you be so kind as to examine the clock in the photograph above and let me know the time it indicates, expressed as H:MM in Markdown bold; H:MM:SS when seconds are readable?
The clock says **2:18**
